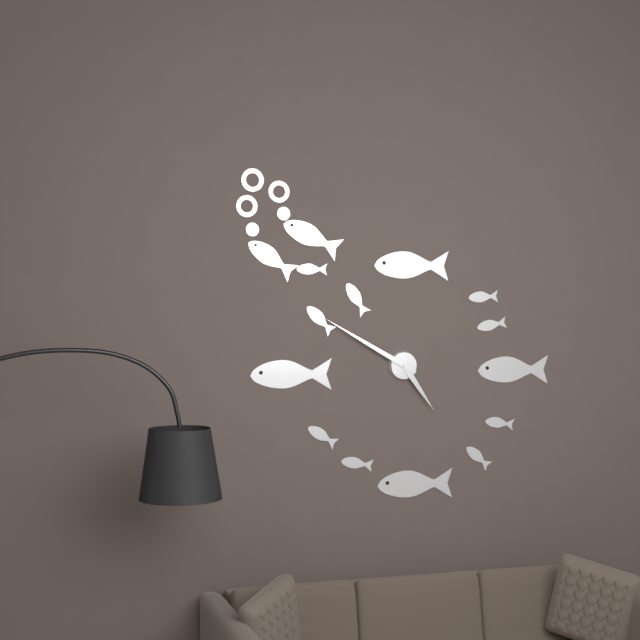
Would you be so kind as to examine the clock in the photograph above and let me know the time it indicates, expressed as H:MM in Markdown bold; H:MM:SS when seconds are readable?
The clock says **4:50**
